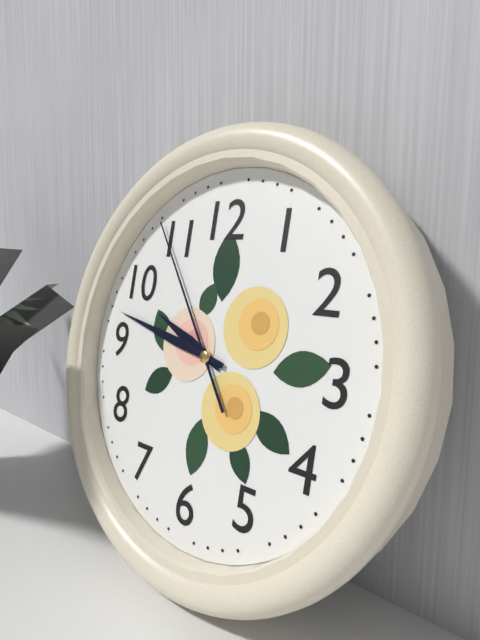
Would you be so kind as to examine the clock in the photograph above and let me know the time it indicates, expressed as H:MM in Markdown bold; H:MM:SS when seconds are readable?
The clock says **9:47:54**
